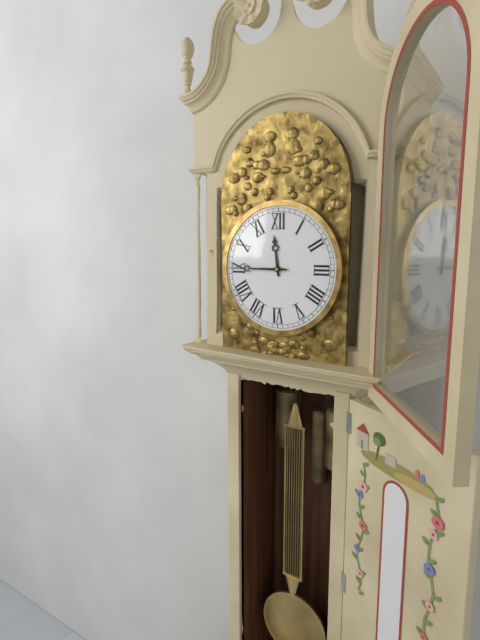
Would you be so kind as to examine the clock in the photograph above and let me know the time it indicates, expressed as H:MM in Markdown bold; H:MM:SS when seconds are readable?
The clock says **11:45**
